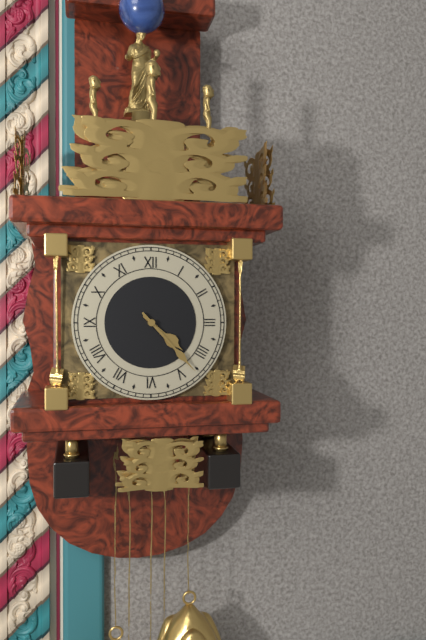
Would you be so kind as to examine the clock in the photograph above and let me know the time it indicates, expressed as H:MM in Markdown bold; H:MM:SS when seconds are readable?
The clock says **4:23**
